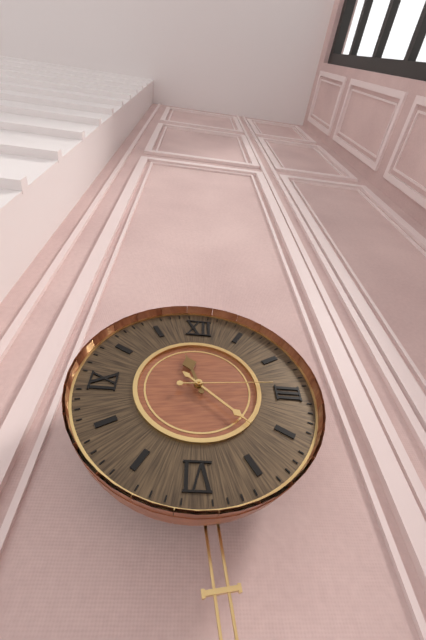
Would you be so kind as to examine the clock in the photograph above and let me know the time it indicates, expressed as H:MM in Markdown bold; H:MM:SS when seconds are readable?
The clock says **11:22:14**
